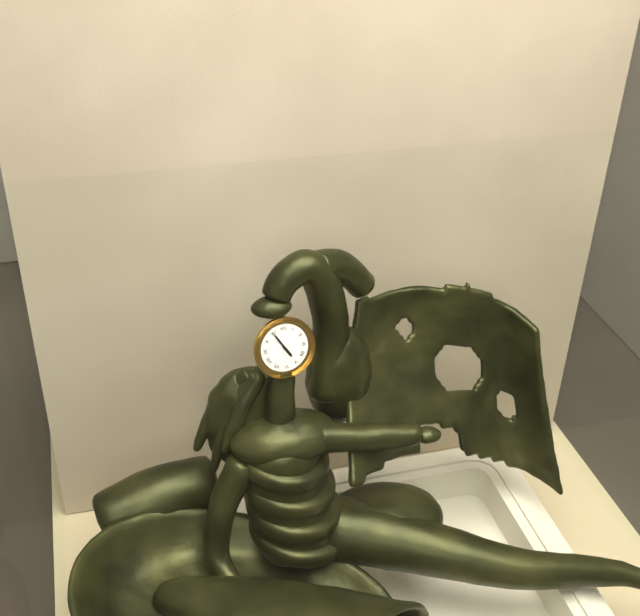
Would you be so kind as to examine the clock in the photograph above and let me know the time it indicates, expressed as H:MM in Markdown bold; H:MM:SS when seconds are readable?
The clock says **4:55**
